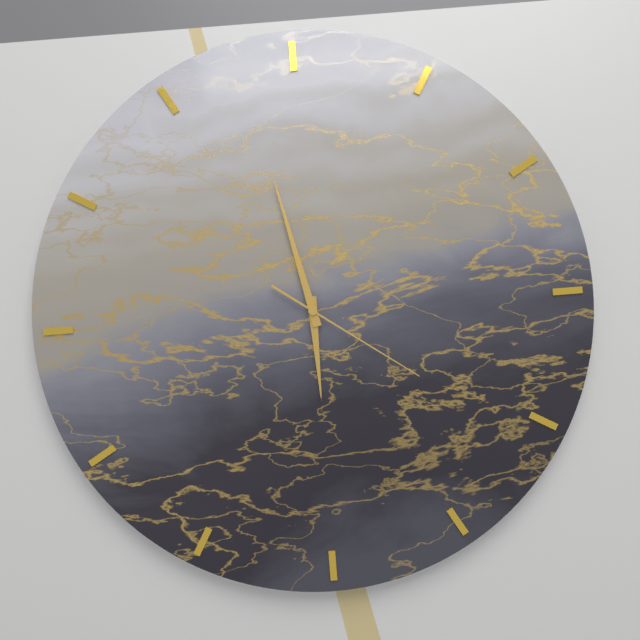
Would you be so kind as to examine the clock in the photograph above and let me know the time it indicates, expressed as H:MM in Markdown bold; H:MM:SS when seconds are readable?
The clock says **5:58:21**
